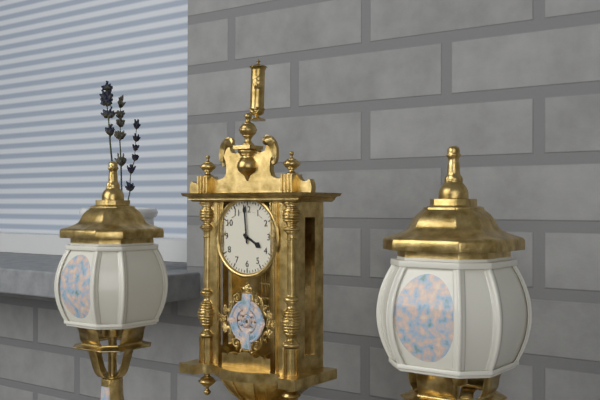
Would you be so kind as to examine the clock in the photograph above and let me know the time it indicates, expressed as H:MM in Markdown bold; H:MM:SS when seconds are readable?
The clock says **3:59**
